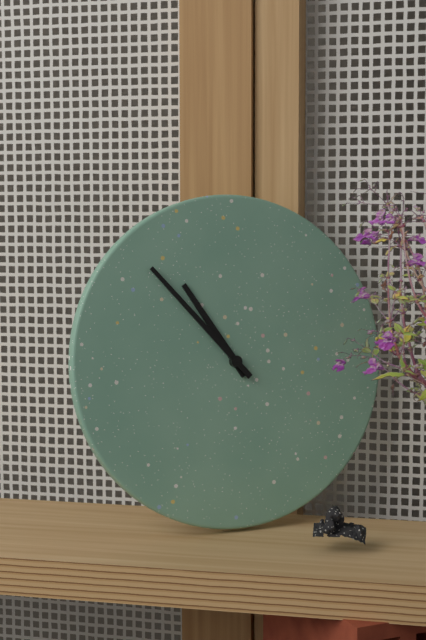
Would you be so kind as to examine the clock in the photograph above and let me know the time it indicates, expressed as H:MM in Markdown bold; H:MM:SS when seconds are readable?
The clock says **10:53**
